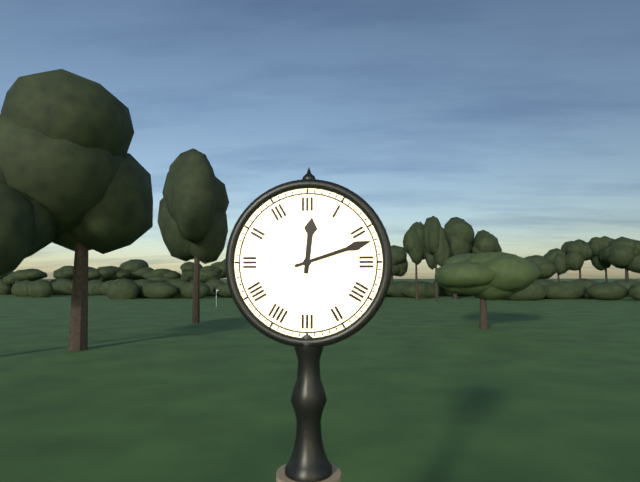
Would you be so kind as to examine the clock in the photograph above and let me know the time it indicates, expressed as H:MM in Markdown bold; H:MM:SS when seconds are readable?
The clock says **12:12**
